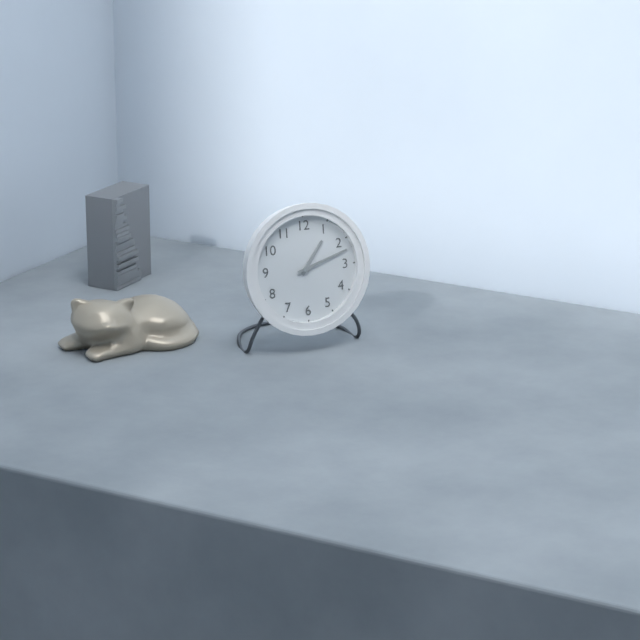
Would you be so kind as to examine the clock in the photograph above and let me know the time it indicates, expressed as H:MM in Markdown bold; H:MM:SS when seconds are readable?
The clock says **1:12**
